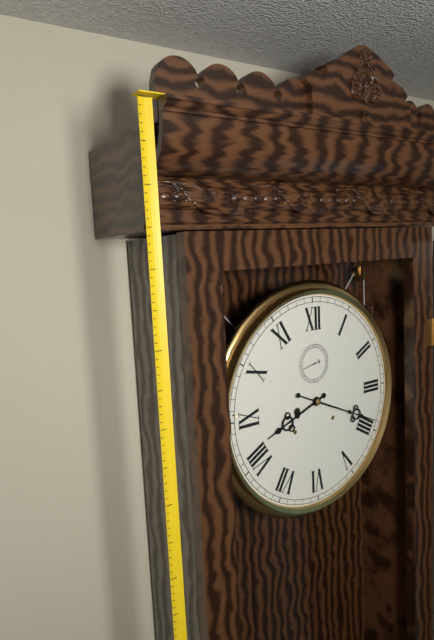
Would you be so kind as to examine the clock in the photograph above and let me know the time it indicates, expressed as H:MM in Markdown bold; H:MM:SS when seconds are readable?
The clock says **8:19**
